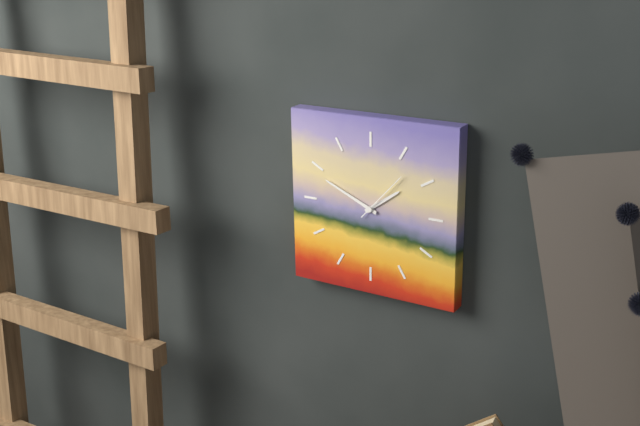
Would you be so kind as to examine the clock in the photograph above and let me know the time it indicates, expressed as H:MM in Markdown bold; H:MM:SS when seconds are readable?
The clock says **1:49:07**
